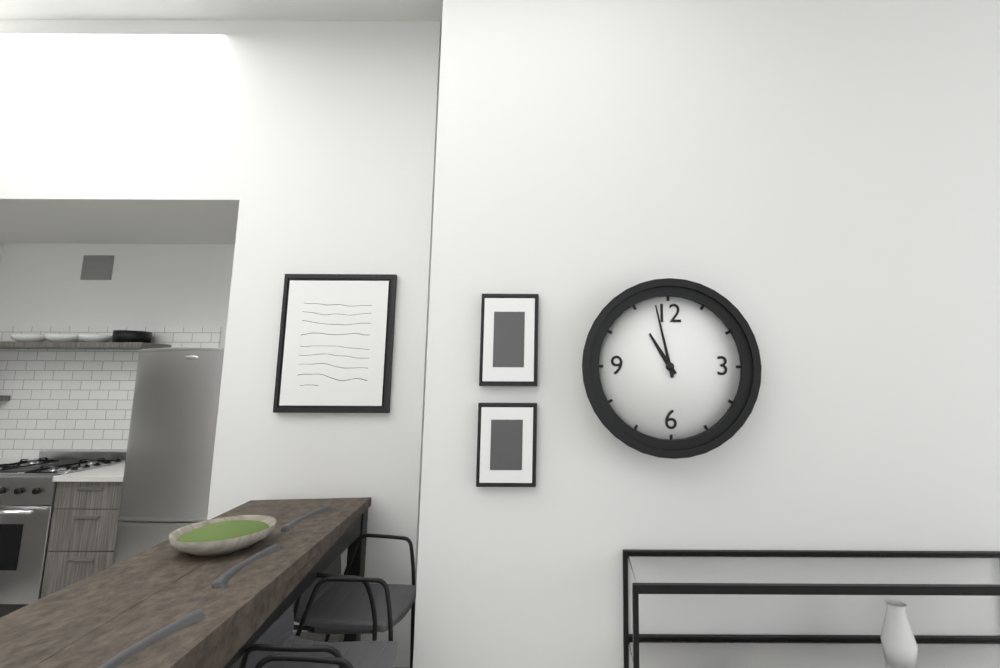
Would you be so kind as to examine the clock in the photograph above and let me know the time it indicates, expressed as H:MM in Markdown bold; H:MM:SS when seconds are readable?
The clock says **10:58**
